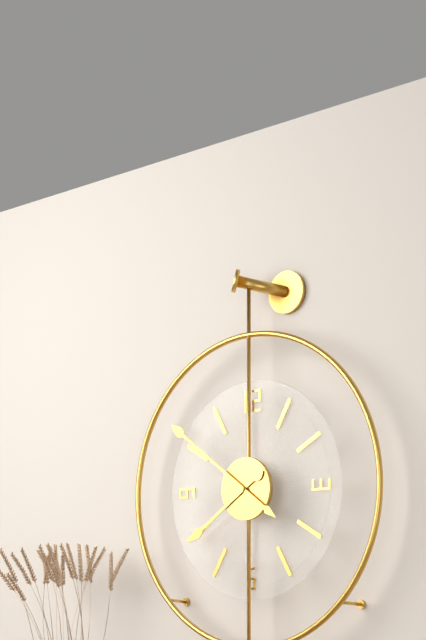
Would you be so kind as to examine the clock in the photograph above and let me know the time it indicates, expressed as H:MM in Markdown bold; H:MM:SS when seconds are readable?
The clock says **7:51**
